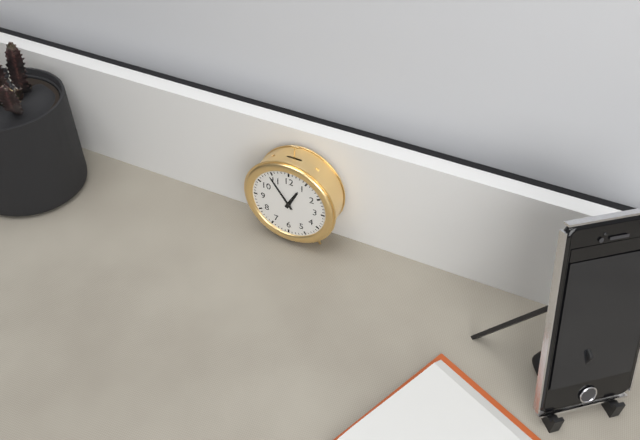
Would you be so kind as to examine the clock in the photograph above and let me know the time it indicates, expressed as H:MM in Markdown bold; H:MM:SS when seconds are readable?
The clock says **12:54**
